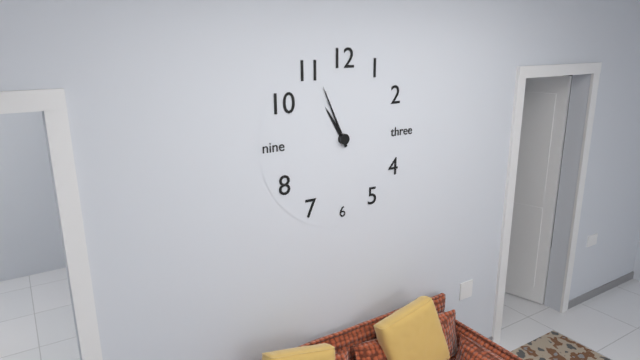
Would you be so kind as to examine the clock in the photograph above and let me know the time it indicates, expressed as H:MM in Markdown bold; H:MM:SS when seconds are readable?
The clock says **10:56**
